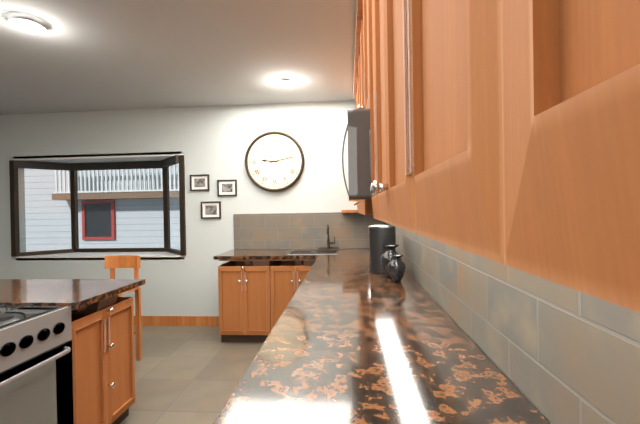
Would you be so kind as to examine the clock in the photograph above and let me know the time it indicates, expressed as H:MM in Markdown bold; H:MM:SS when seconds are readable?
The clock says **9:13**
